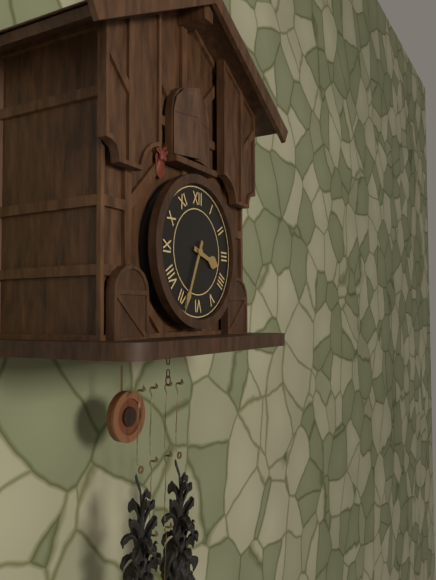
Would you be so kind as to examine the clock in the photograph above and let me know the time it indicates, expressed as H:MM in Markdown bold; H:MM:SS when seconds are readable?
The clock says **3:34**
